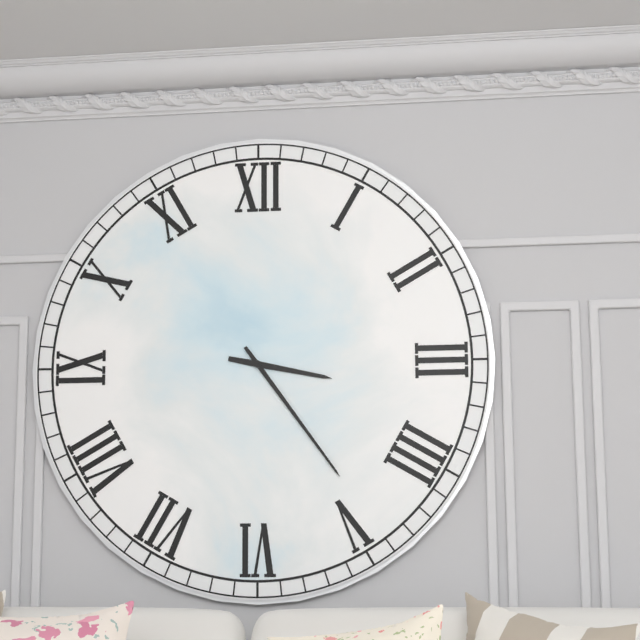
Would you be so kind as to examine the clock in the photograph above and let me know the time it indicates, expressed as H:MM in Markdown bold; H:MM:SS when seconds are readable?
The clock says **3:24**
